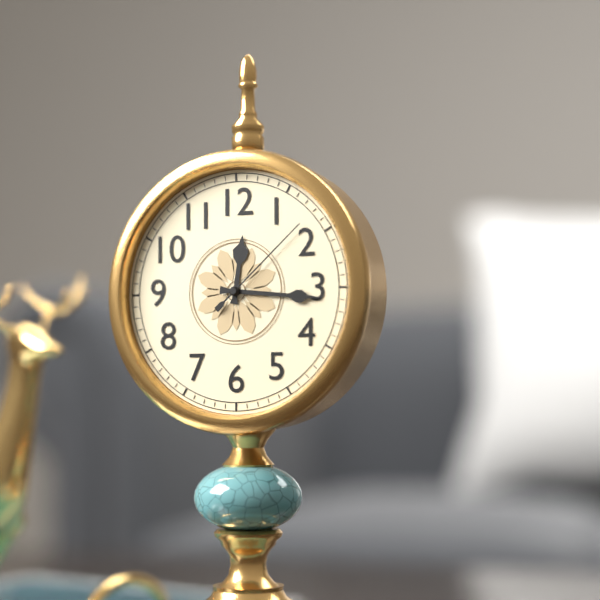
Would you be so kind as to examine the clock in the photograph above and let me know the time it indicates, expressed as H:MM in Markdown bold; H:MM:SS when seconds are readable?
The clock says **12:16:08**
